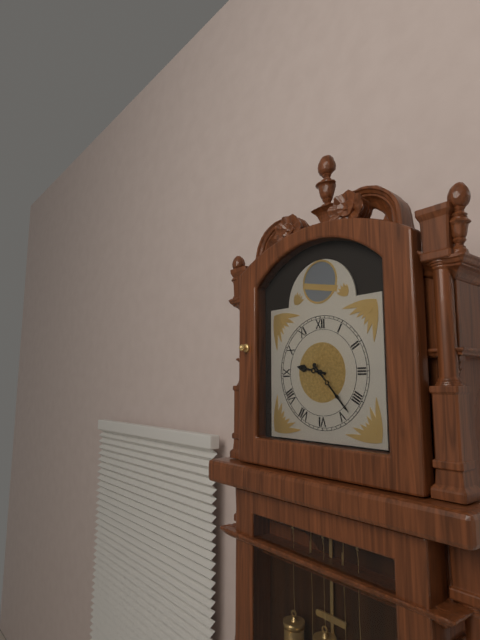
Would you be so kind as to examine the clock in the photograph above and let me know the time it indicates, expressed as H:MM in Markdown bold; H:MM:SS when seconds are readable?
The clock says **9:23**
